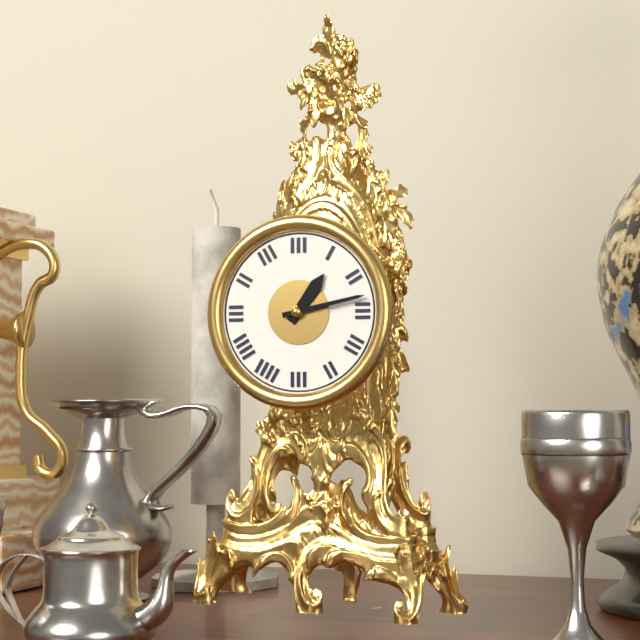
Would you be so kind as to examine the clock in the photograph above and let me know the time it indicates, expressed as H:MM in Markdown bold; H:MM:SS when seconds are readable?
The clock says **1:13**
